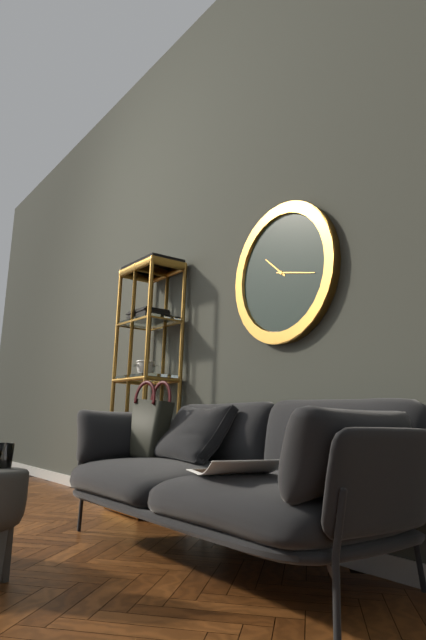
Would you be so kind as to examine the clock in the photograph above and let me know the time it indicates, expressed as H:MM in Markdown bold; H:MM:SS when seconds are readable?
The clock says **10:17**
